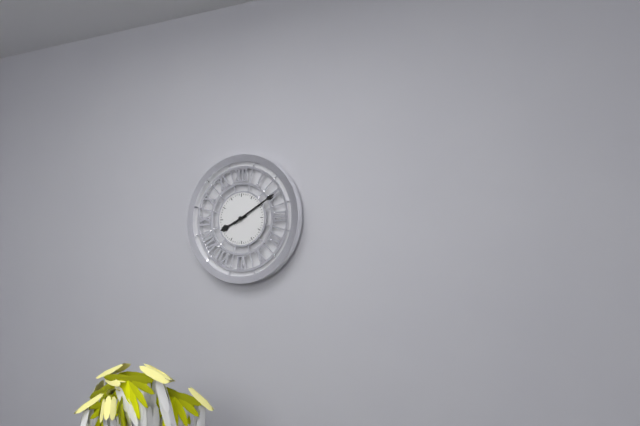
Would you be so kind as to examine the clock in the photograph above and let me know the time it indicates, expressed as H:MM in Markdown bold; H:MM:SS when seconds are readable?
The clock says **8:10**
